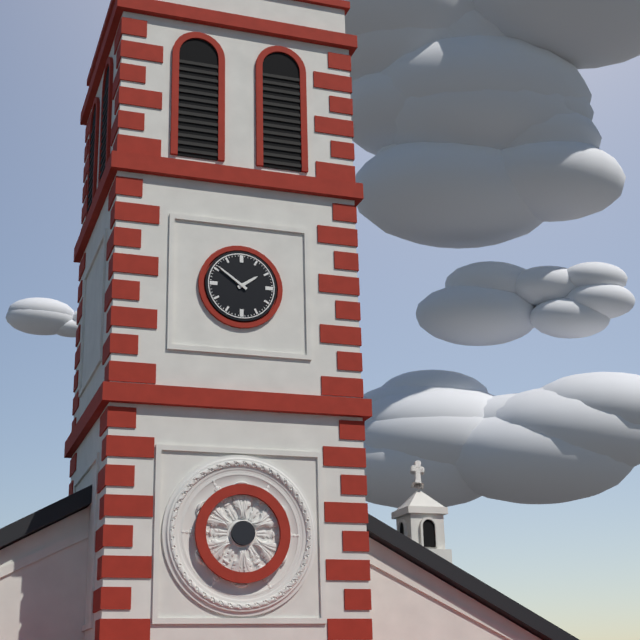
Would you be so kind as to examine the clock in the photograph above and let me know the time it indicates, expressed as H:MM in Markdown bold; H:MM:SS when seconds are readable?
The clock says **1:51**
